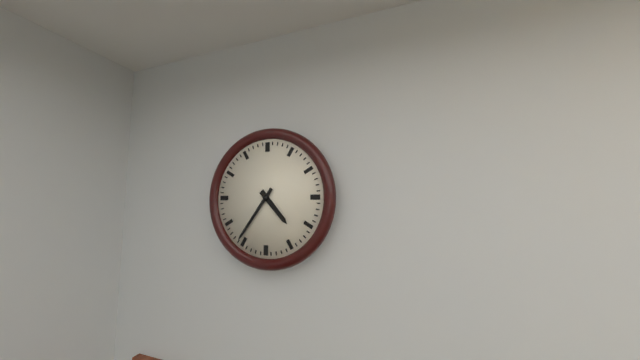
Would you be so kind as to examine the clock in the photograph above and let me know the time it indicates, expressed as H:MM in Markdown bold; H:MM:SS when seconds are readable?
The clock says **4:36**
